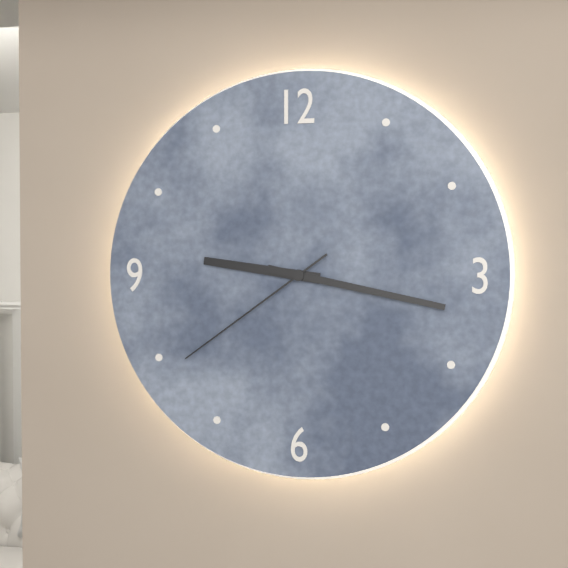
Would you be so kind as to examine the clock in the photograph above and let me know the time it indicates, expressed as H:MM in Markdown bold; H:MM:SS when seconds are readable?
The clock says **9:17:39**
